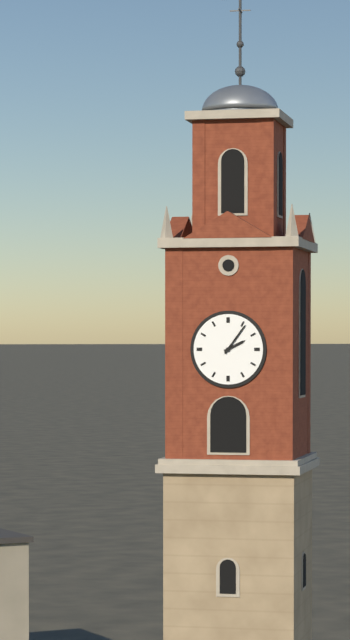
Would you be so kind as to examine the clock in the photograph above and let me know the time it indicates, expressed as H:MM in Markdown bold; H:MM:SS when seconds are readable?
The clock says **2:06**
